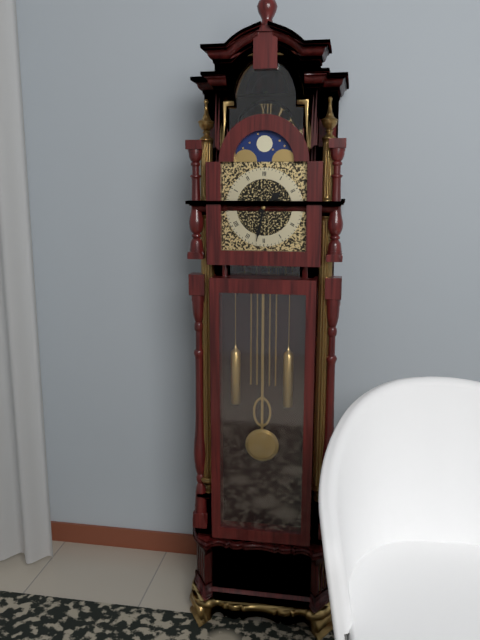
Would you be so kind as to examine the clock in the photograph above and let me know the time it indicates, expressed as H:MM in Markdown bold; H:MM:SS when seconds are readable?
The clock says **1:32**
